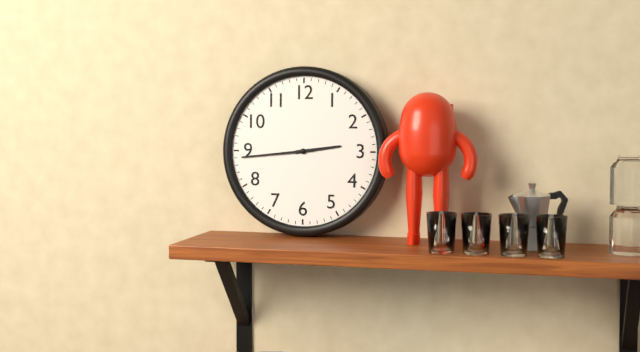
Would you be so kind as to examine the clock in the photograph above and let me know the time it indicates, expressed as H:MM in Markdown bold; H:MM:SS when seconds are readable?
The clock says **2:44**
